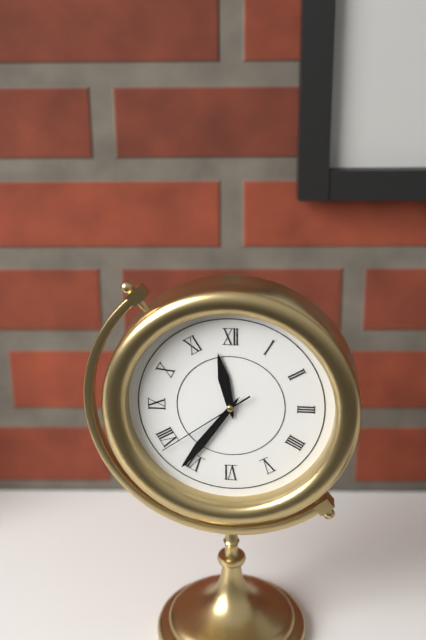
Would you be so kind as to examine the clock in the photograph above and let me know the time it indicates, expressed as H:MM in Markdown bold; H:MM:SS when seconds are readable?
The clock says **11:36:39**
